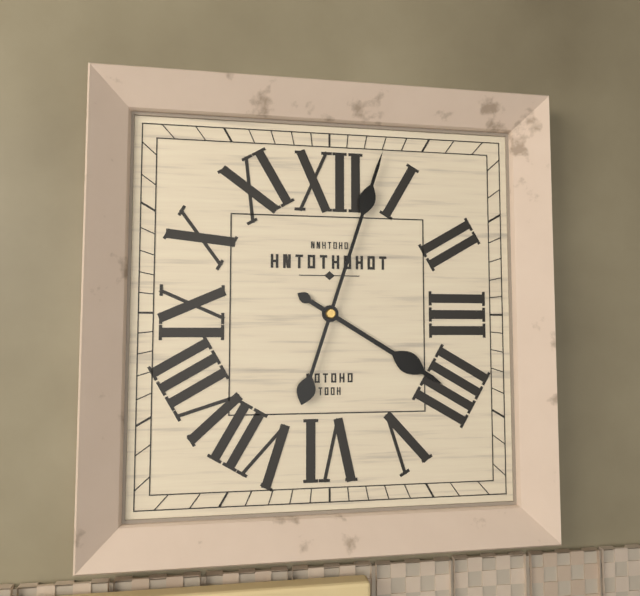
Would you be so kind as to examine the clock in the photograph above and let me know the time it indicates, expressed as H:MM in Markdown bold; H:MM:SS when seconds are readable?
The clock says **4:03**
